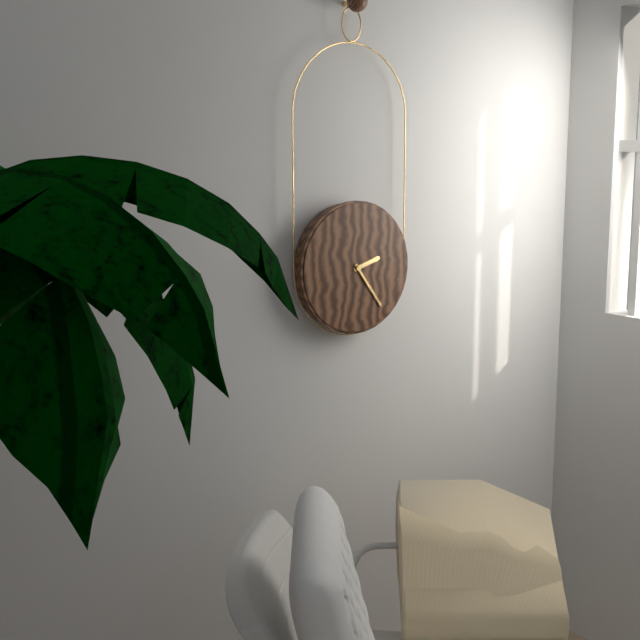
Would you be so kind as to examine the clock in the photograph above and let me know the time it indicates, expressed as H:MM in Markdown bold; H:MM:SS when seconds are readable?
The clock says **2:24**
